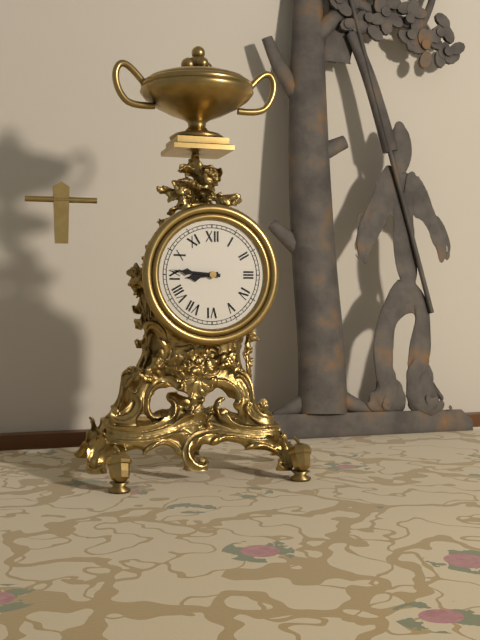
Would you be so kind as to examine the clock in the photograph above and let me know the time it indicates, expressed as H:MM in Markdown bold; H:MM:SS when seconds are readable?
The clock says **8:46**
